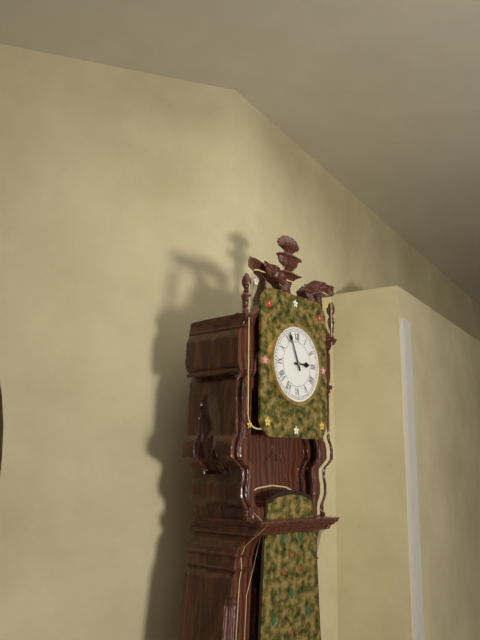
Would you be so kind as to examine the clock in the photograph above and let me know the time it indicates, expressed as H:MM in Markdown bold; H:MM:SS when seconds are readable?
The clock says **2:56**
